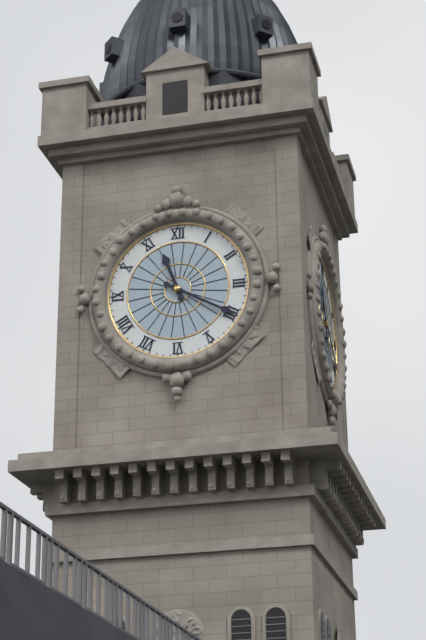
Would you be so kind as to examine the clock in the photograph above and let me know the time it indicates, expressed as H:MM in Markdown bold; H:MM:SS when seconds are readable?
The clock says **11:20**
